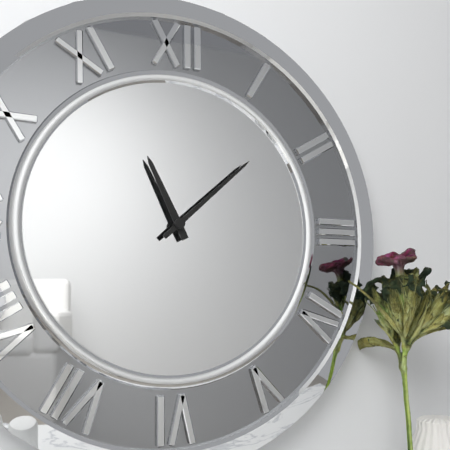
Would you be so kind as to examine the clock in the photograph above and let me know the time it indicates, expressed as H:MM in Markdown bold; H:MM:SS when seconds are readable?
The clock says **11:08**
